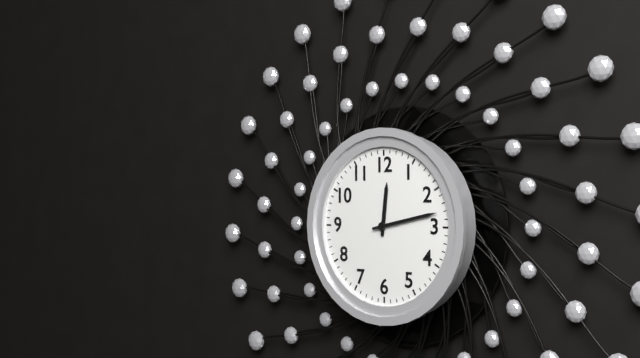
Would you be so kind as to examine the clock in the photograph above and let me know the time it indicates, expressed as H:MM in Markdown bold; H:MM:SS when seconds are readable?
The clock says **12:13**
